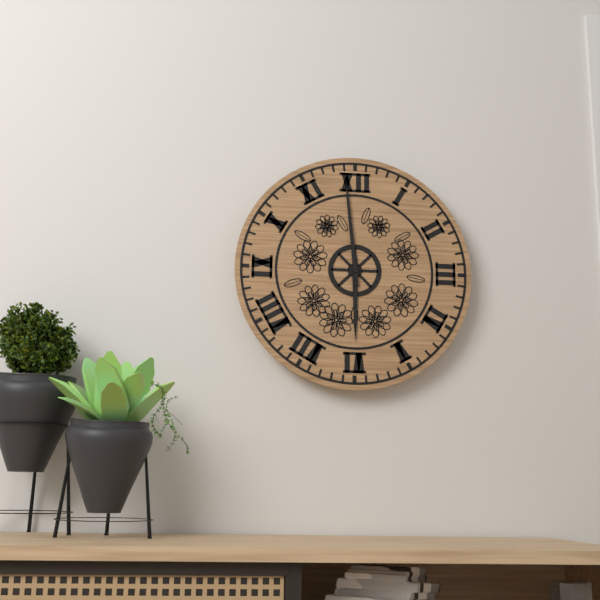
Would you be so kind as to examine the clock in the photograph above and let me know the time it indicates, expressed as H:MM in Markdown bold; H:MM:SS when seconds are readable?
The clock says **5:59**
